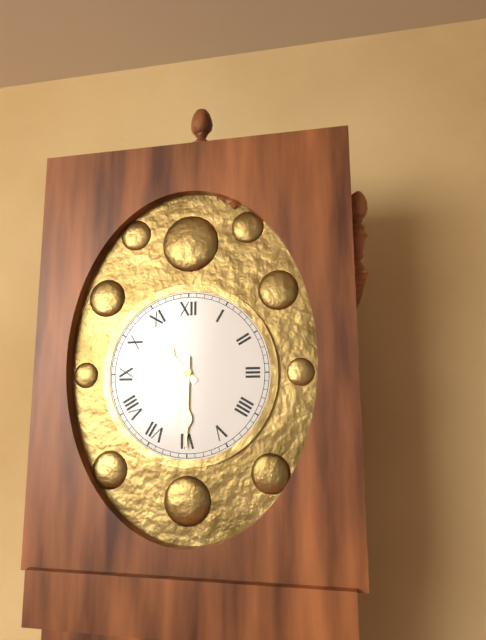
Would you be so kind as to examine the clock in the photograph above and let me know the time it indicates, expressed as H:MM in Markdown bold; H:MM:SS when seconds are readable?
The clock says **10:30**
